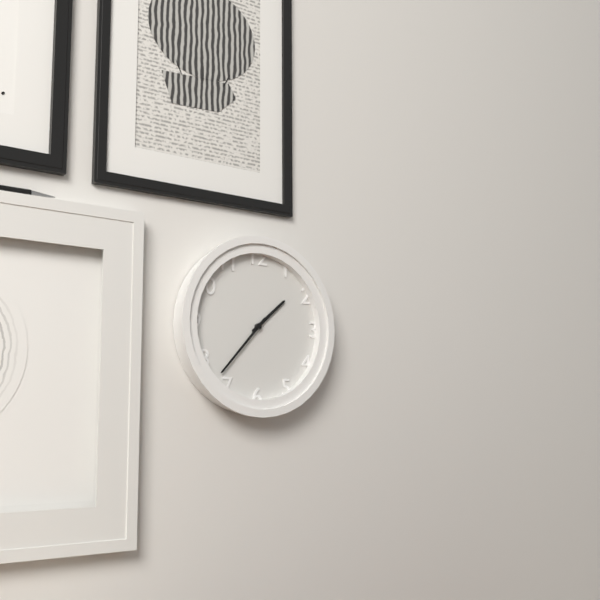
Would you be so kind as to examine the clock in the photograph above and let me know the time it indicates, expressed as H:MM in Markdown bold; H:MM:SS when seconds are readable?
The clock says **1:37**
